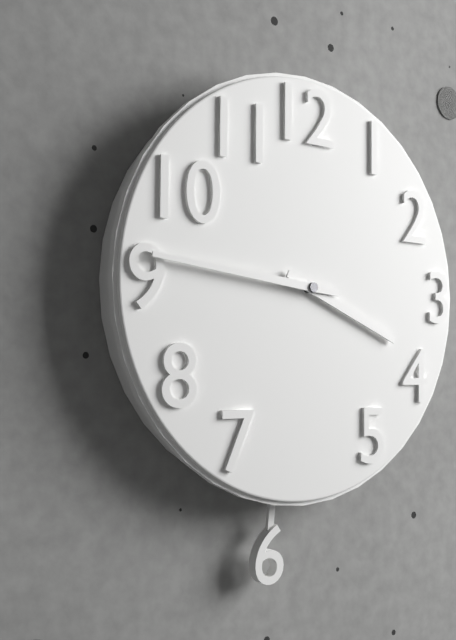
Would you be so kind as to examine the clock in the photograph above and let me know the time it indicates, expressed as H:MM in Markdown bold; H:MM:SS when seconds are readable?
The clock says **3:46**
